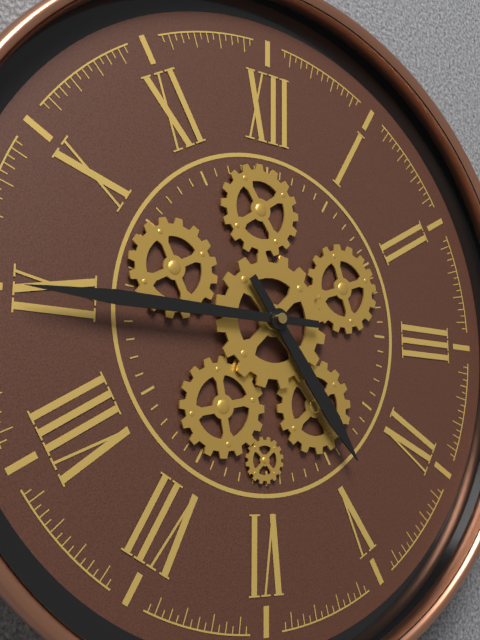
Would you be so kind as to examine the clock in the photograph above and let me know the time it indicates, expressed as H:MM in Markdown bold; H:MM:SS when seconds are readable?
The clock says **4:45**
